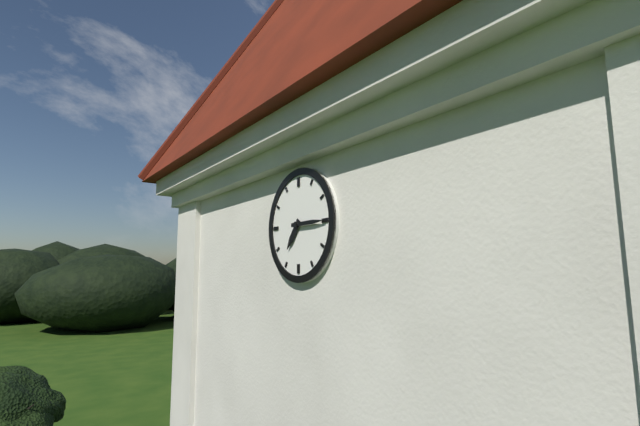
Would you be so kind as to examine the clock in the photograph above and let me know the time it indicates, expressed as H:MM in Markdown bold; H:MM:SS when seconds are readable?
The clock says **7:15**
